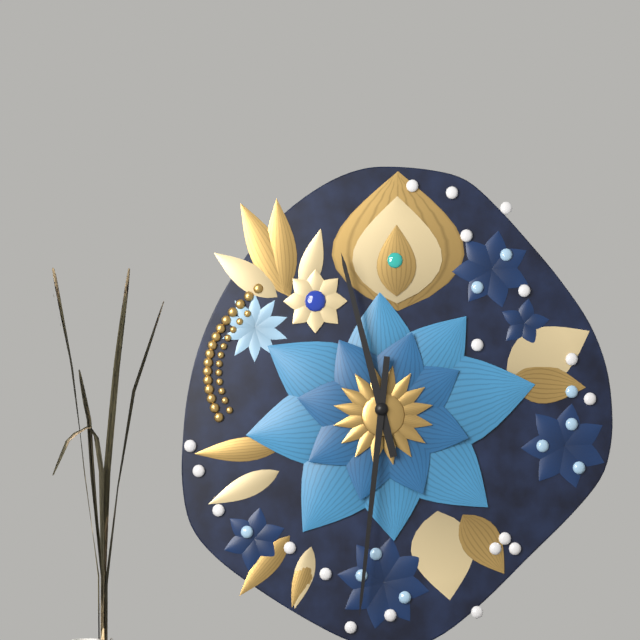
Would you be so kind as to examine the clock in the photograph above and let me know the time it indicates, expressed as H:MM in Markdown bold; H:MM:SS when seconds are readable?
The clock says **11:31**
